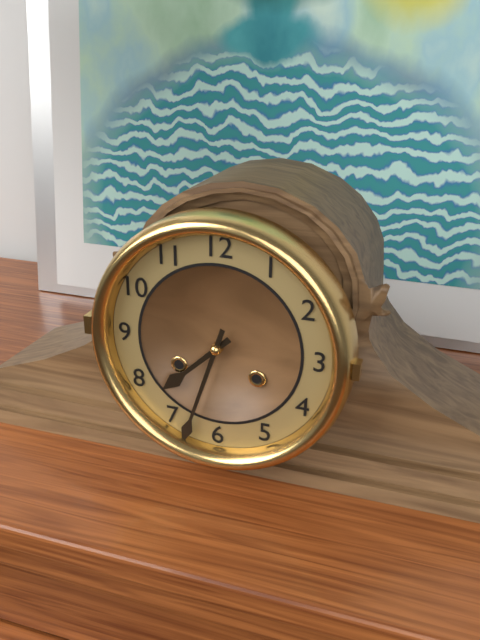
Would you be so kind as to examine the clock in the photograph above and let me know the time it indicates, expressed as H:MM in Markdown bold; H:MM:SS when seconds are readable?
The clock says **7:33**
